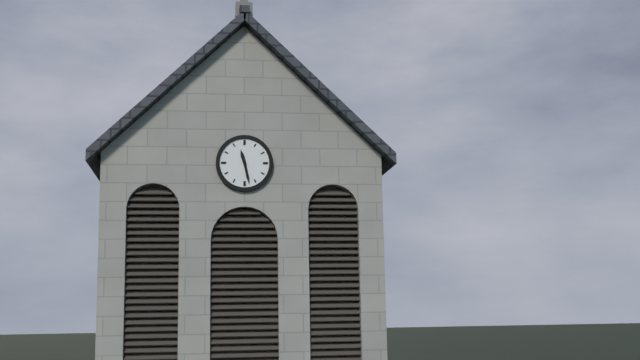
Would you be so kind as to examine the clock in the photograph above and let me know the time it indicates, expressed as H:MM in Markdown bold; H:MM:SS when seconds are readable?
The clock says **11:28**
